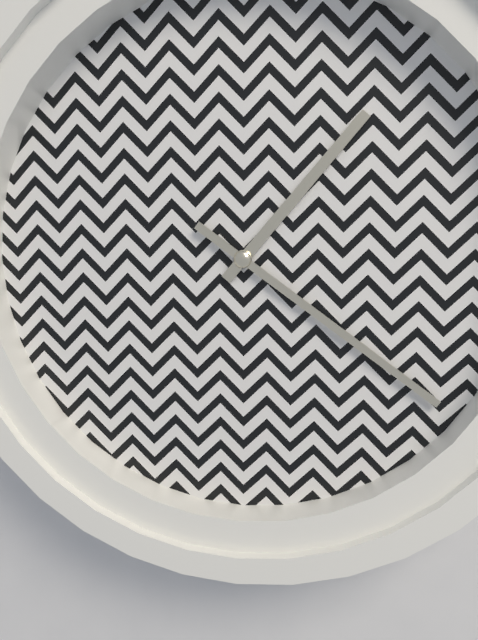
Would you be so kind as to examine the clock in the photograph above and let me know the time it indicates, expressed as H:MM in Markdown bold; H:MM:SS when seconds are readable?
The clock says **1:21**
